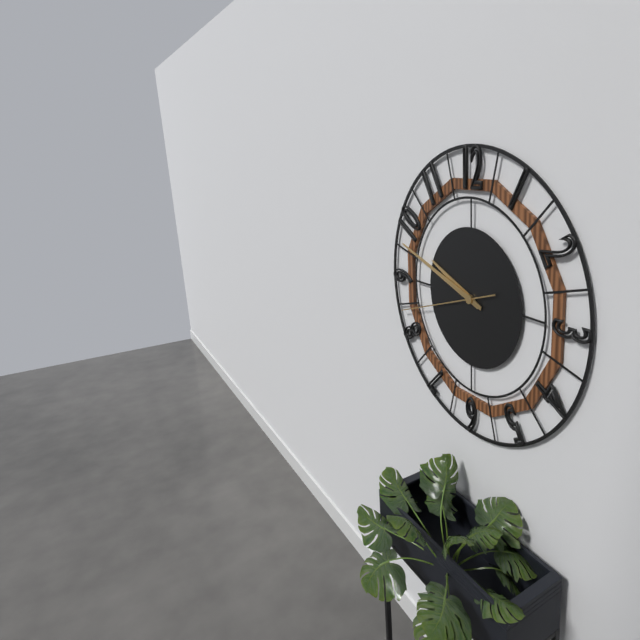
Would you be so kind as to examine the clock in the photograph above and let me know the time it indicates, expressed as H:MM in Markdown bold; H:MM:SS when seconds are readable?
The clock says **9:48:42**
